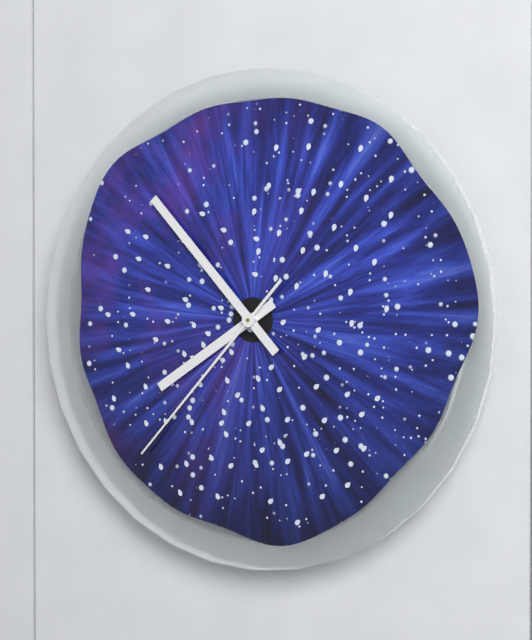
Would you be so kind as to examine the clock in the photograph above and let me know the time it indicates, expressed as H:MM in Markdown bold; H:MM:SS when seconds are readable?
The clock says **7:53:37**
